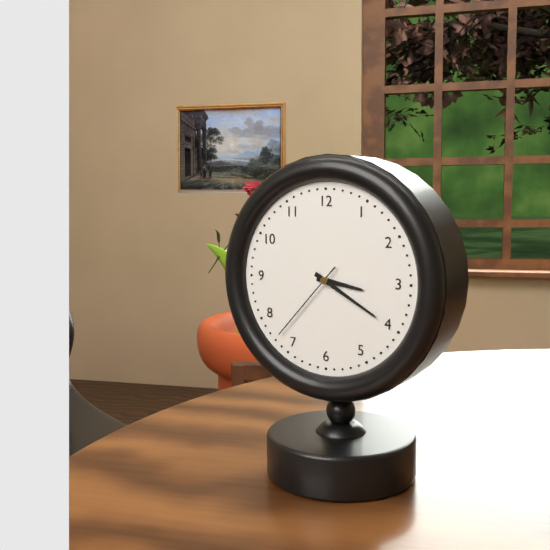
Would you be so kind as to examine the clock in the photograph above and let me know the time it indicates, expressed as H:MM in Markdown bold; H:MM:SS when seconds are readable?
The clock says **3:20:37**
